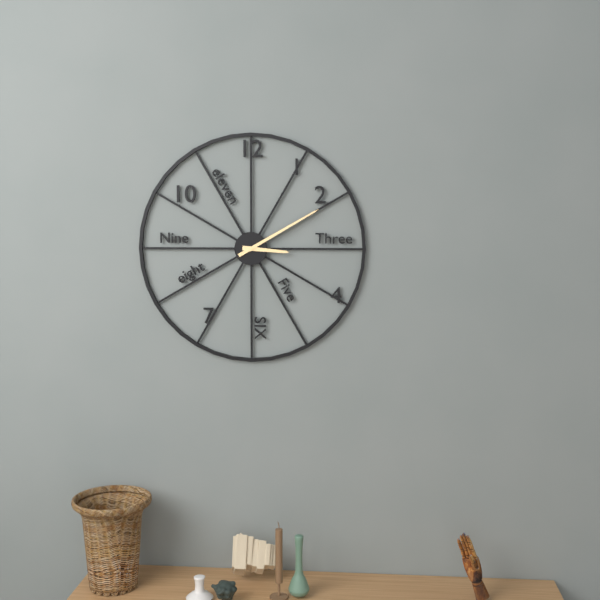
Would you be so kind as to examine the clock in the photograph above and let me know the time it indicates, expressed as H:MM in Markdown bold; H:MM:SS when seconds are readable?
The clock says **3:10**
